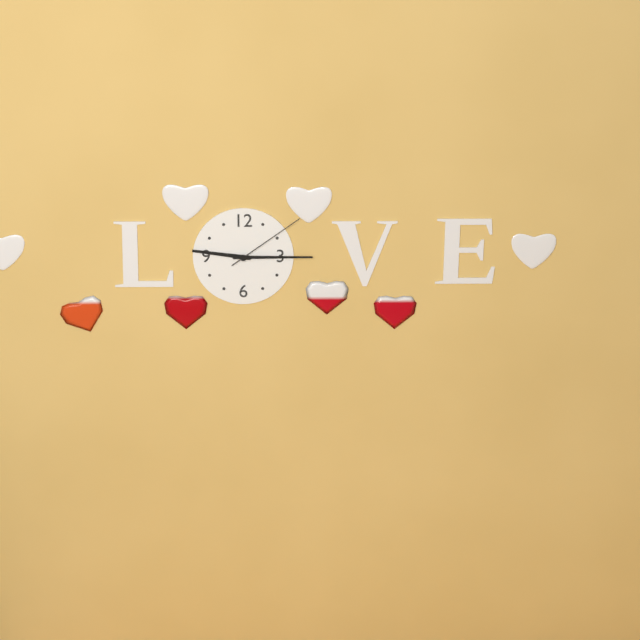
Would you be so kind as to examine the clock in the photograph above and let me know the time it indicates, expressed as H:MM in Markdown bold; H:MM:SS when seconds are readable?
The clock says **9:15:09**
